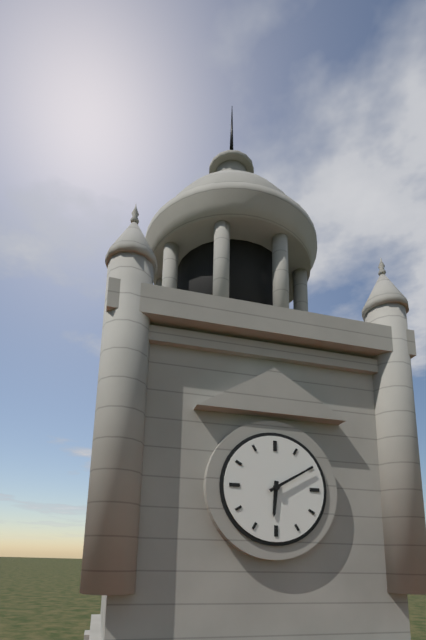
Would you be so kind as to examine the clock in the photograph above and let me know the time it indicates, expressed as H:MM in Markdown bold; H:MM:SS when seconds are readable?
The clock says **6:10**
